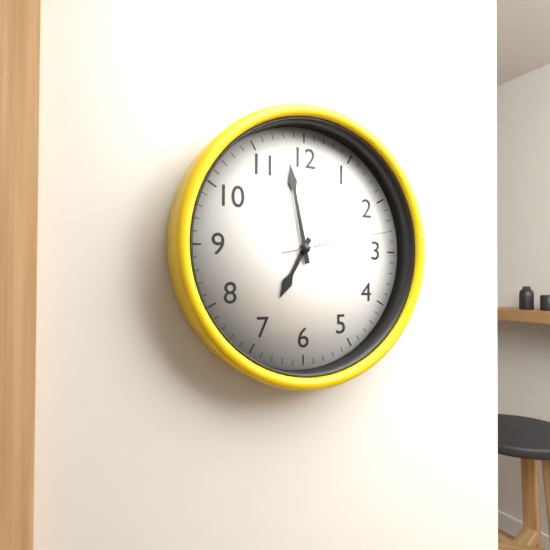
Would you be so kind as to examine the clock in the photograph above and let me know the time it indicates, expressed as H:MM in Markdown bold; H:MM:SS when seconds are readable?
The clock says **6:58:13**
